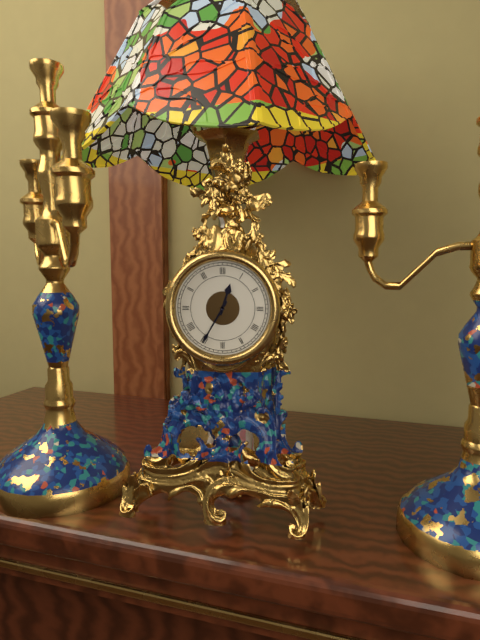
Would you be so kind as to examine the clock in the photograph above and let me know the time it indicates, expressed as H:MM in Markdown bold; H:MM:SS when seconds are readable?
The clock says **12:35**
